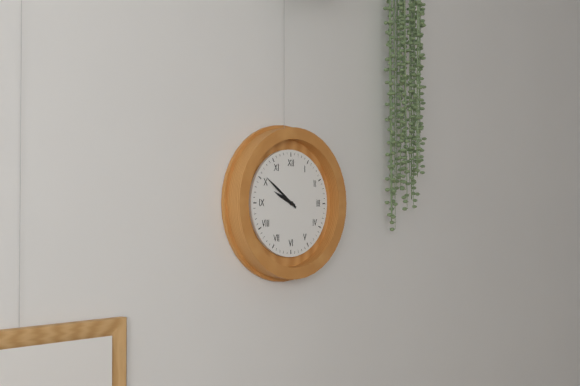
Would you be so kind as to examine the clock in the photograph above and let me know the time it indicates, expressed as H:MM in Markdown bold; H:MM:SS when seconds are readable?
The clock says **9:51**
